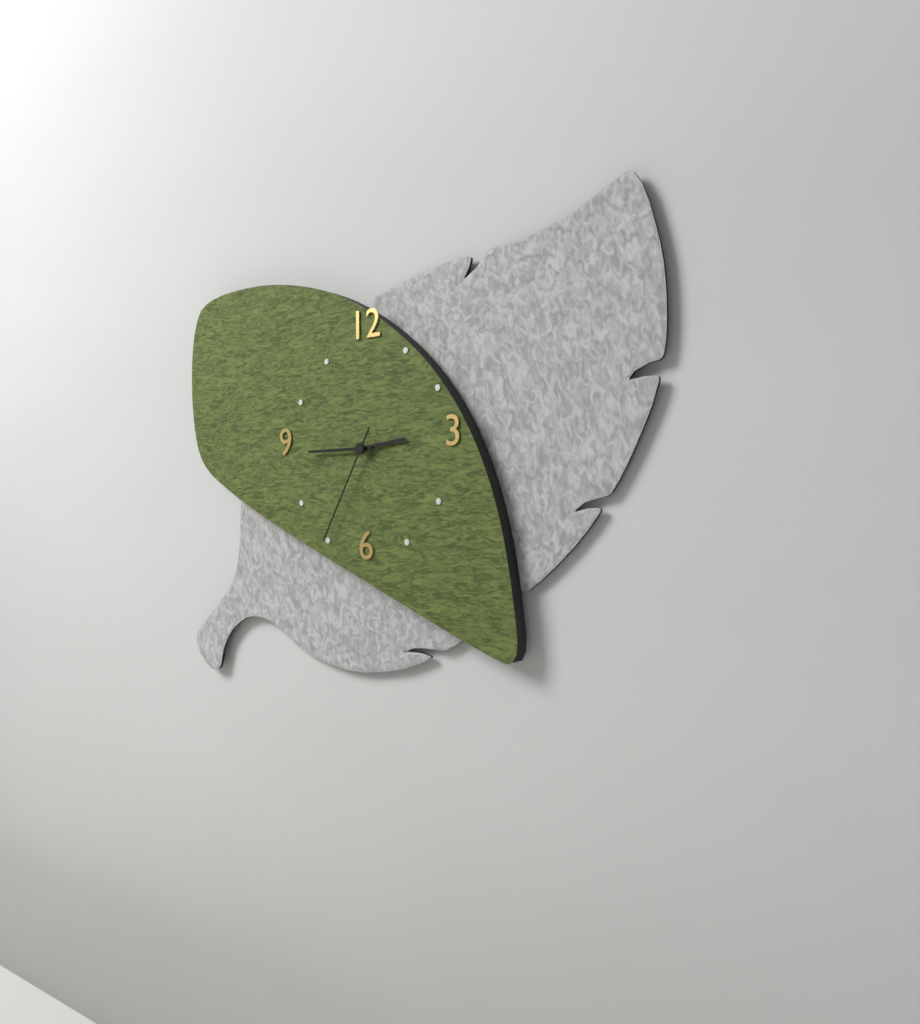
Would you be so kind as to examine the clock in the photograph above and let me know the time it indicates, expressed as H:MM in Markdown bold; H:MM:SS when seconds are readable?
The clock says **2:45:35**
